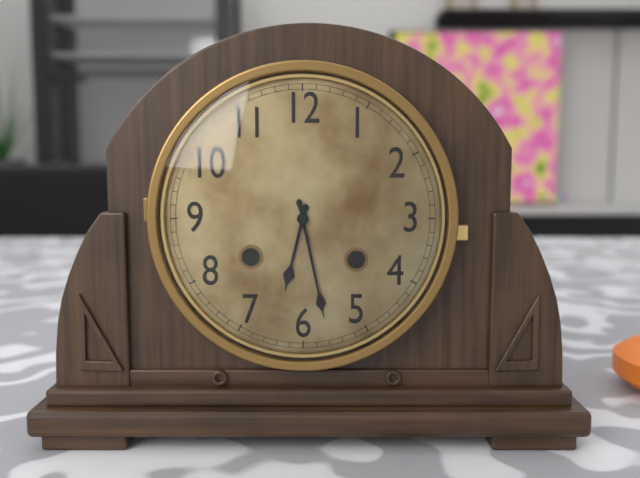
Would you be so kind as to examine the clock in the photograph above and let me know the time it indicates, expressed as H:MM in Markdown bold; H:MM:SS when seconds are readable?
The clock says **6:28**
